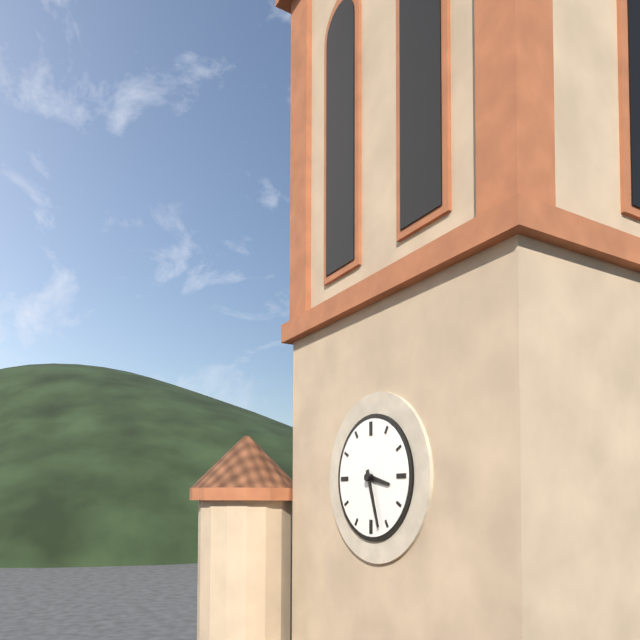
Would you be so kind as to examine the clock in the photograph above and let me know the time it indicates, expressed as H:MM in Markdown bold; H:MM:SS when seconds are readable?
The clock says **3:27**
